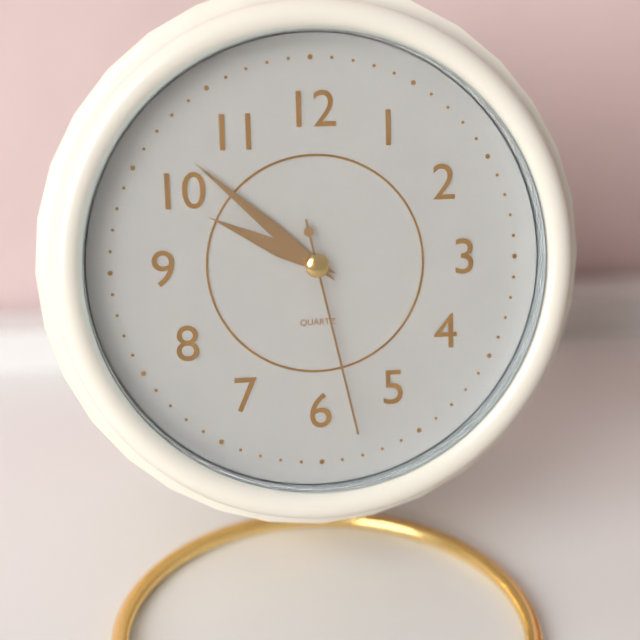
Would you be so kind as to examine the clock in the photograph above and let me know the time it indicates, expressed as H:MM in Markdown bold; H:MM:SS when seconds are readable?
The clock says **9:52:28**
